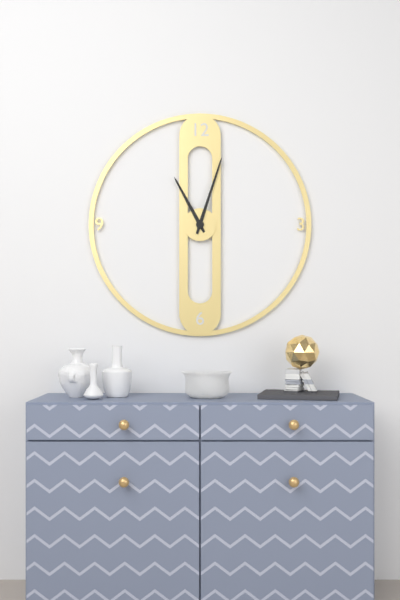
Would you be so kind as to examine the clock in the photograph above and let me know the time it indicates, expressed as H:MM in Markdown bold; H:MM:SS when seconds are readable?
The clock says **11:03**
